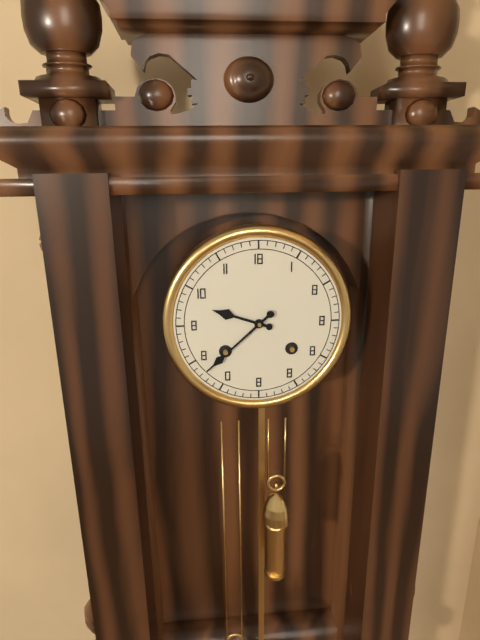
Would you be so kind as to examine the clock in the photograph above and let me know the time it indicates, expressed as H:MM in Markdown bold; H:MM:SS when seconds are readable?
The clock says **9:38**
